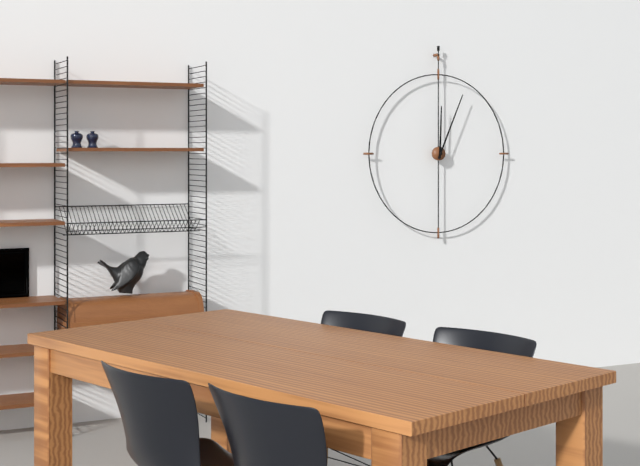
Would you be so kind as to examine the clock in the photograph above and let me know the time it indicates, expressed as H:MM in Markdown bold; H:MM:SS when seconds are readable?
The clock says **12:04**
